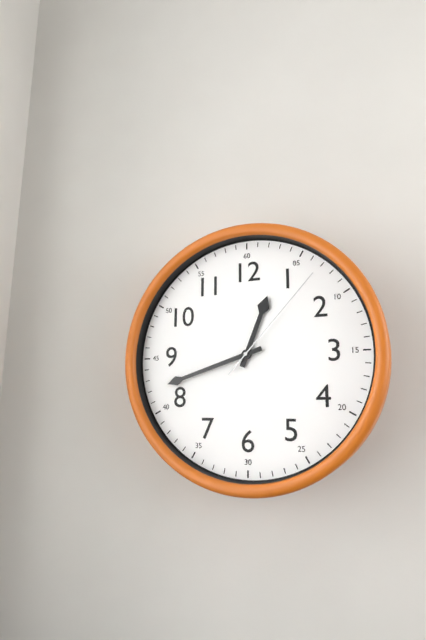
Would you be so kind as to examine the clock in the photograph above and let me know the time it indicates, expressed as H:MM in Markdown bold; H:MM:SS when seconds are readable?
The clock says **12:42:07**
